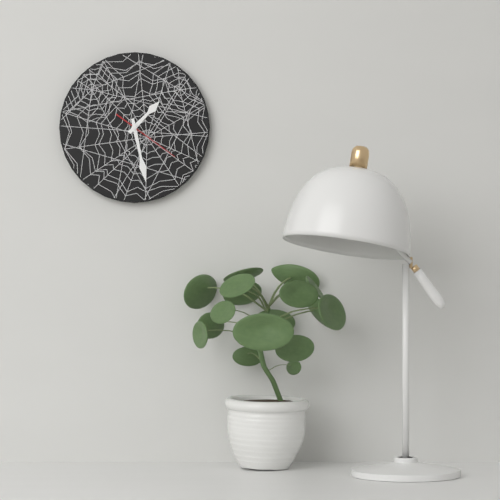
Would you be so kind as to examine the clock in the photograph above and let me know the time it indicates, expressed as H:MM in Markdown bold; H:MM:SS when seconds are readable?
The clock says **1:28:21**
